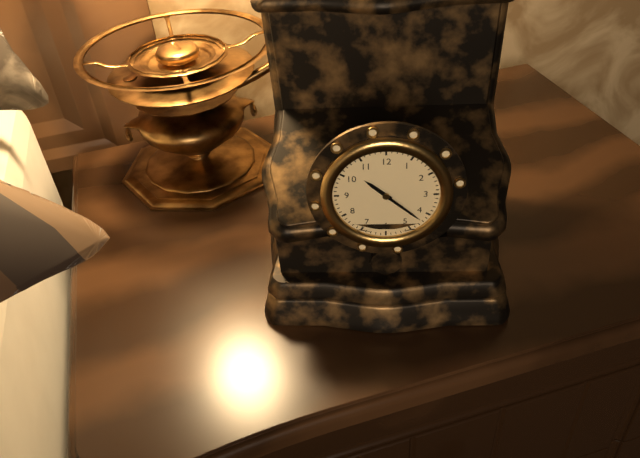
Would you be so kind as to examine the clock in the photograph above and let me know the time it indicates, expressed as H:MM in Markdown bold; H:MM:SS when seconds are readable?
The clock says **10:22**
